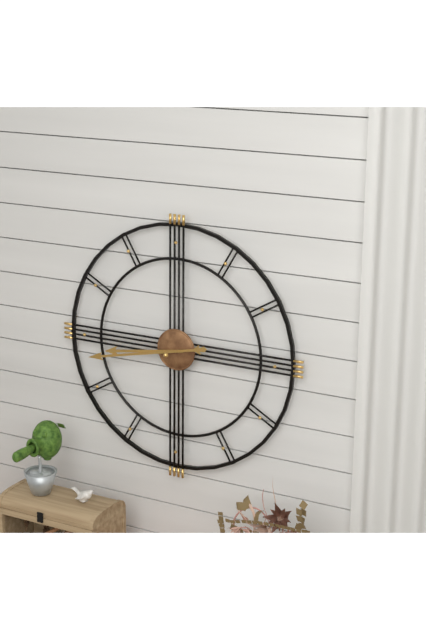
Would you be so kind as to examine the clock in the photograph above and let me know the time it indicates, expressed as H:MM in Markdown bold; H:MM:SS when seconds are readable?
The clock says **8:43**
